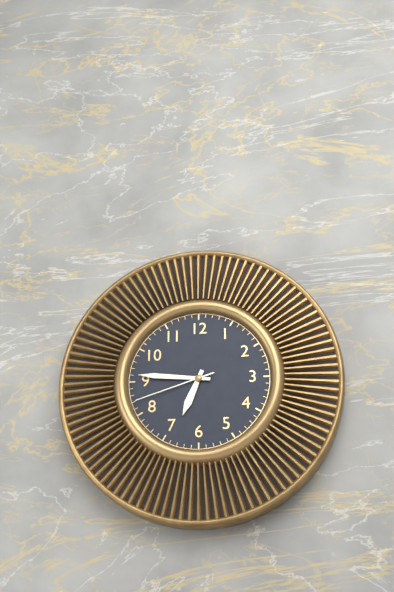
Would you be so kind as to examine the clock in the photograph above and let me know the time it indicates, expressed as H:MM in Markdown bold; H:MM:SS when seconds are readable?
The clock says **6:46:42**
